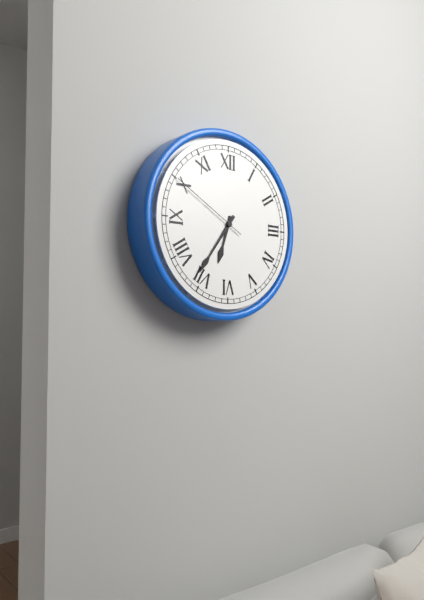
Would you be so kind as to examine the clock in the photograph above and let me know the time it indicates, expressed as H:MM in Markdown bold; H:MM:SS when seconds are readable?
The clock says **6:36:50**
